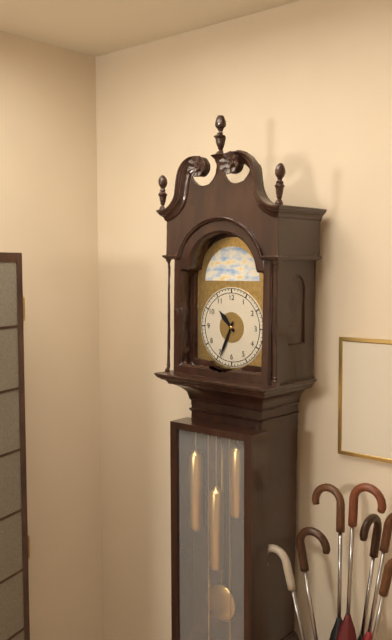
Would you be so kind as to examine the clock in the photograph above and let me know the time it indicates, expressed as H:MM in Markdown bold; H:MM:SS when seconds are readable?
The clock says **10:34**
